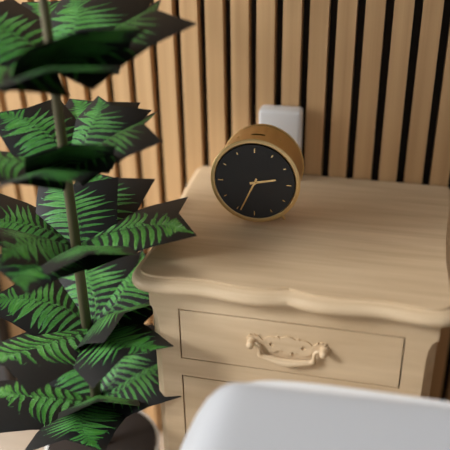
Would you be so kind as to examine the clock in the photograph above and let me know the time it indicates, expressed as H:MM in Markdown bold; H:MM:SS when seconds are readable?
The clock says **2:34**
